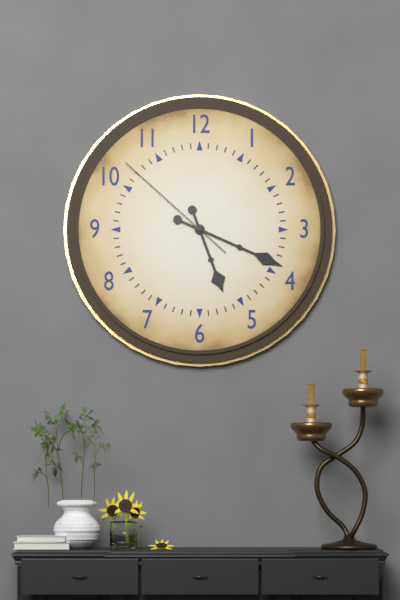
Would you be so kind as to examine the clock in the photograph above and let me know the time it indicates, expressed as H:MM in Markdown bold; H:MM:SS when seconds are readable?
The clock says **5:19:52**
